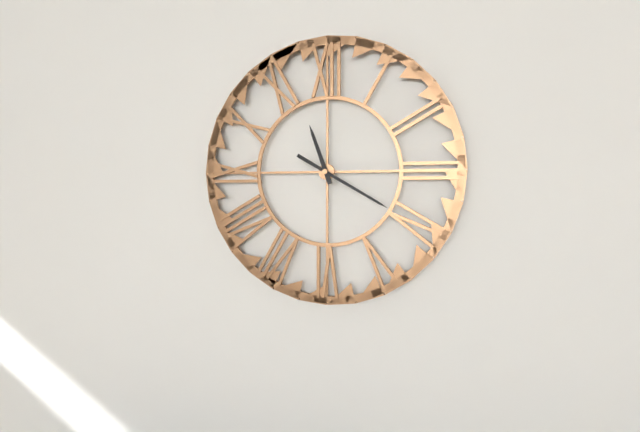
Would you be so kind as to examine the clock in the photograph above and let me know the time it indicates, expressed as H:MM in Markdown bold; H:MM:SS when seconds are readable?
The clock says **11:20**
